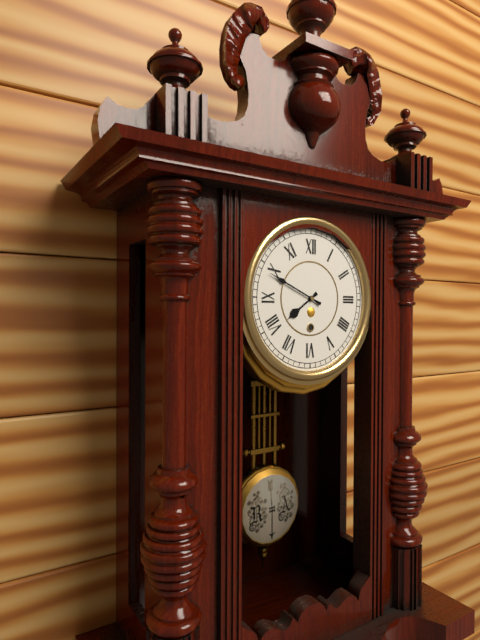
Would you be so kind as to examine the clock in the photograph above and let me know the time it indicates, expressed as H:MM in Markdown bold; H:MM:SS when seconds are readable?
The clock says **7:49**
